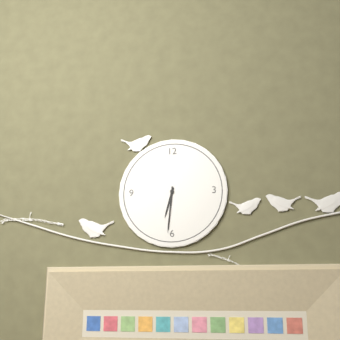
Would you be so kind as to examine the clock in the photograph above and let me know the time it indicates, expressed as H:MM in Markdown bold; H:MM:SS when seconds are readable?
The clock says **6:31**
